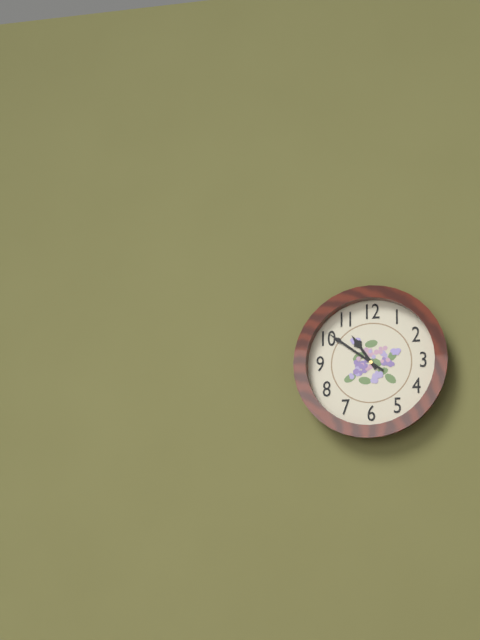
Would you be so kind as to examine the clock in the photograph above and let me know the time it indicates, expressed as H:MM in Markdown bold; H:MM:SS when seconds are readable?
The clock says **10:51**
